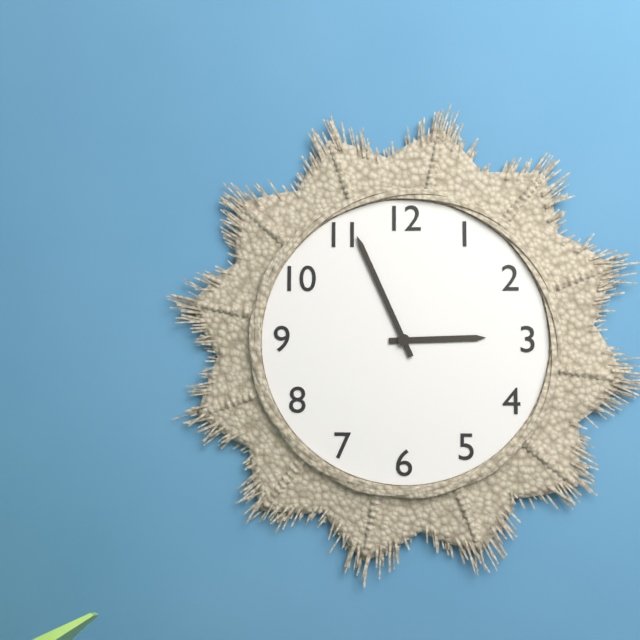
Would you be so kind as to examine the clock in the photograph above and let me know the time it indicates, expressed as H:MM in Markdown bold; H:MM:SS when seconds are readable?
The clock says **2:56**
